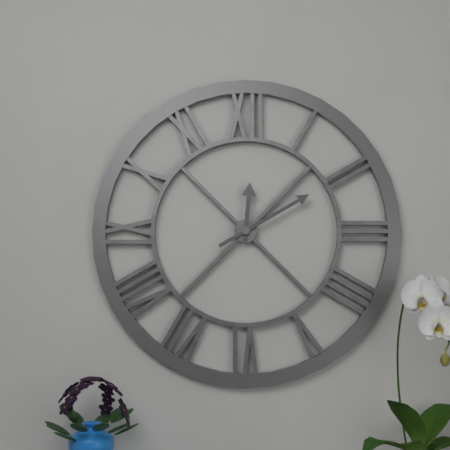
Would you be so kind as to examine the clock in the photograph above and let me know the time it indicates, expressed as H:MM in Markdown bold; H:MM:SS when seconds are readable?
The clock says **12:10**
